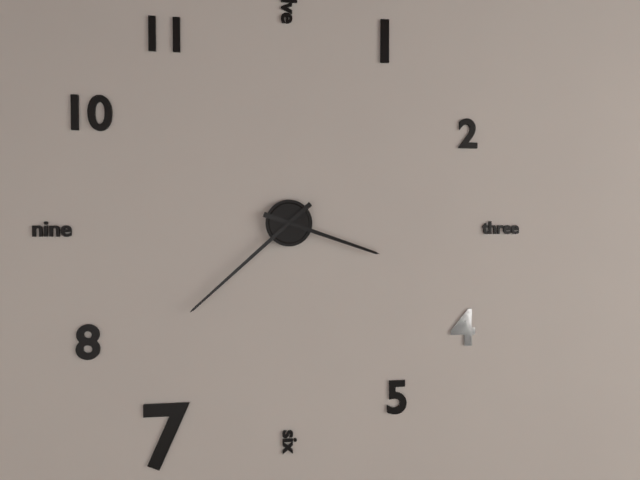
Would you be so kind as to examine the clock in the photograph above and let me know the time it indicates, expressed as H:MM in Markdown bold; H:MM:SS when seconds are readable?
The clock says **3:38**
